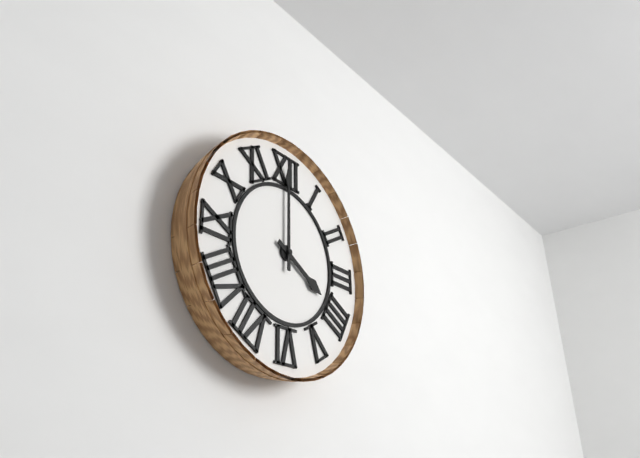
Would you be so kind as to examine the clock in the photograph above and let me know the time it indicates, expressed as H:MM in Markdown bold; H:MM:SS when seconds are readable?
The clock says **4:00**
